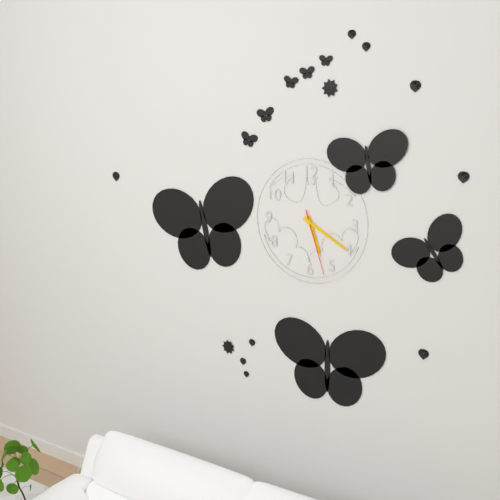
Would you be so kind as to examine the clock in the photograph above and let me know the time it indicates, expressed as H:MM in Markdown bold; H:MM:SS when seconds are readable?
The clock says **5:20:27**
